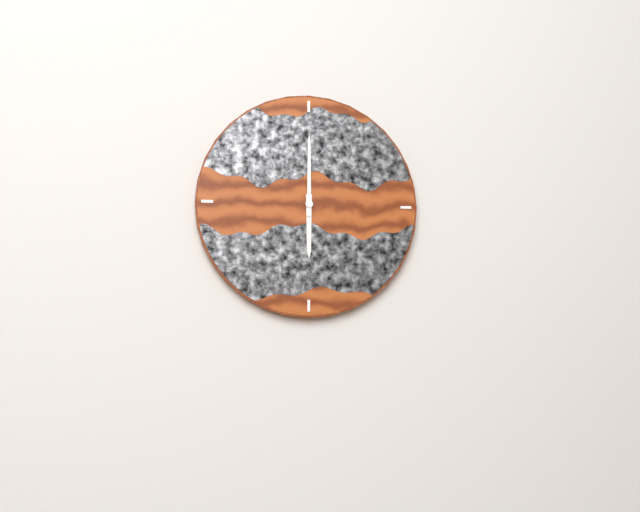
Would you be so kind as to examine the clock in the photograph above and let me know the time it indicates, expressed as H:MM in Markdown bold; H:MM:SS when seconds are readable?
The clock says **6:00**
